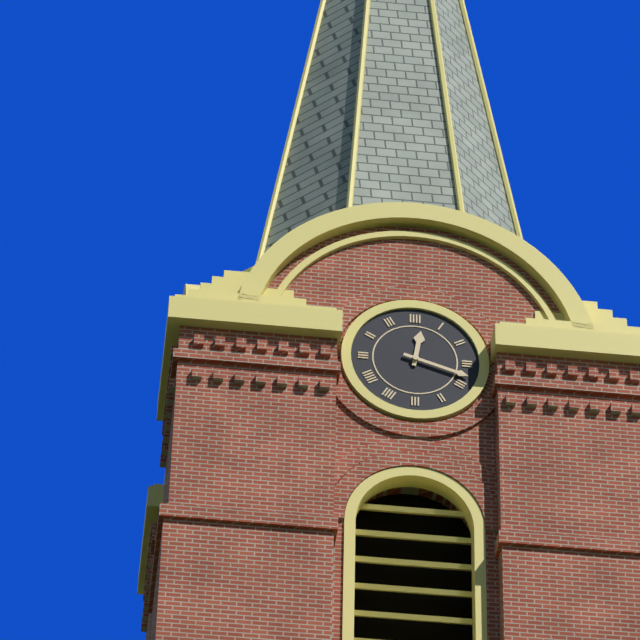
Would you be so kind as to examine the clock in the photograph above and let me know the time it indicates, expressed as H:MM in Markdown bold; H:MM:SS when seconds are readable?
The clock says **12:18**
